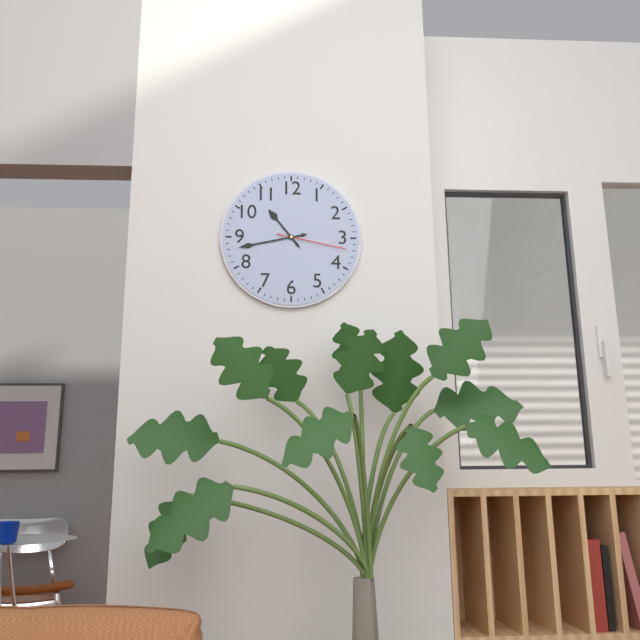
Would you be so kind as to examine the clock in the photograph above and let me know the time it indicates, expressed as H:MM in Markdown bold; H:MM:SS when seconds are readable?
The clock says **10:43:17**
